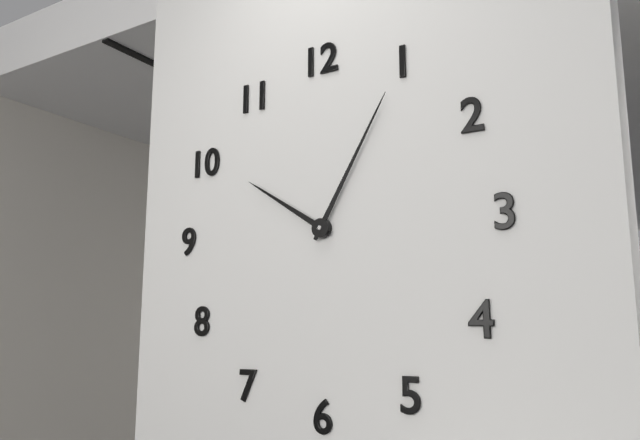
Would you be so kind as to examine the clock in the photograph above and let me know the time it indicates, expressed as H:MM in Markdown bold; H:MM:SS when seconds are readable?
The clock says **10:05**
